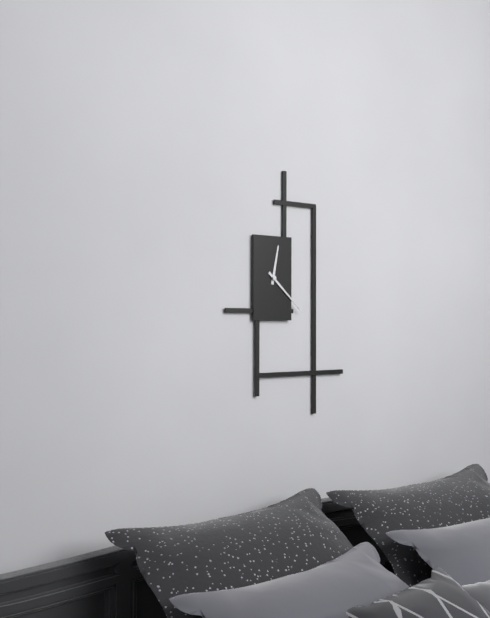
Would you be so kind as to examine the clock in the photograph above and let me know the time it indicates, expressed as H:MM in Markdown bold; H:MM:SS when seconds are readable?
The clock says **12:22**
